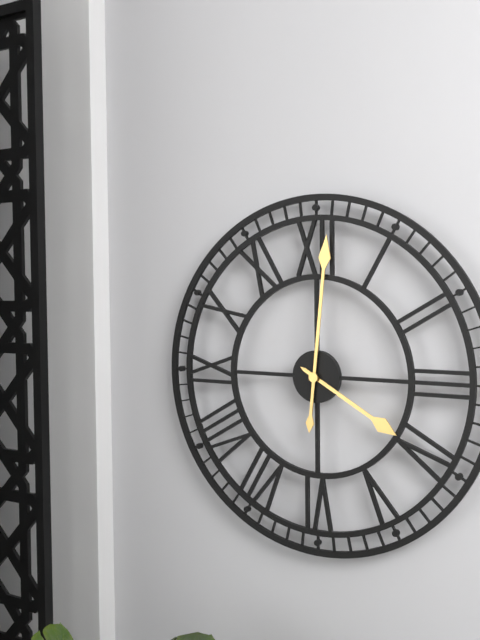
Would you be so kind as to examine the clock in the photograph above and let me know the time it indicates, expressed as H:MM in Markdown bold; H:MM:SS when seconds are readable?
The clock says **4:01**
